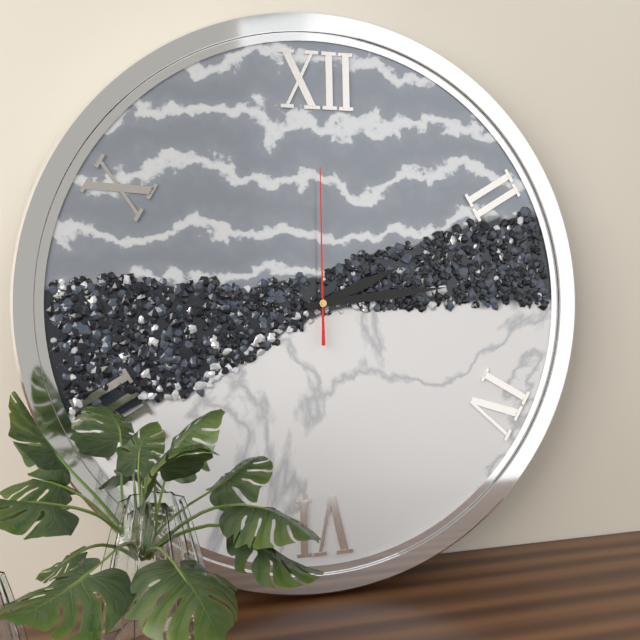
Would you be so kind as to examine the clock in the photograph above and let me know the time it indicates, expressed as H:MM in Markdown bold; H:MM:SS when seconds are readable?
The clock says **2:14:00**
